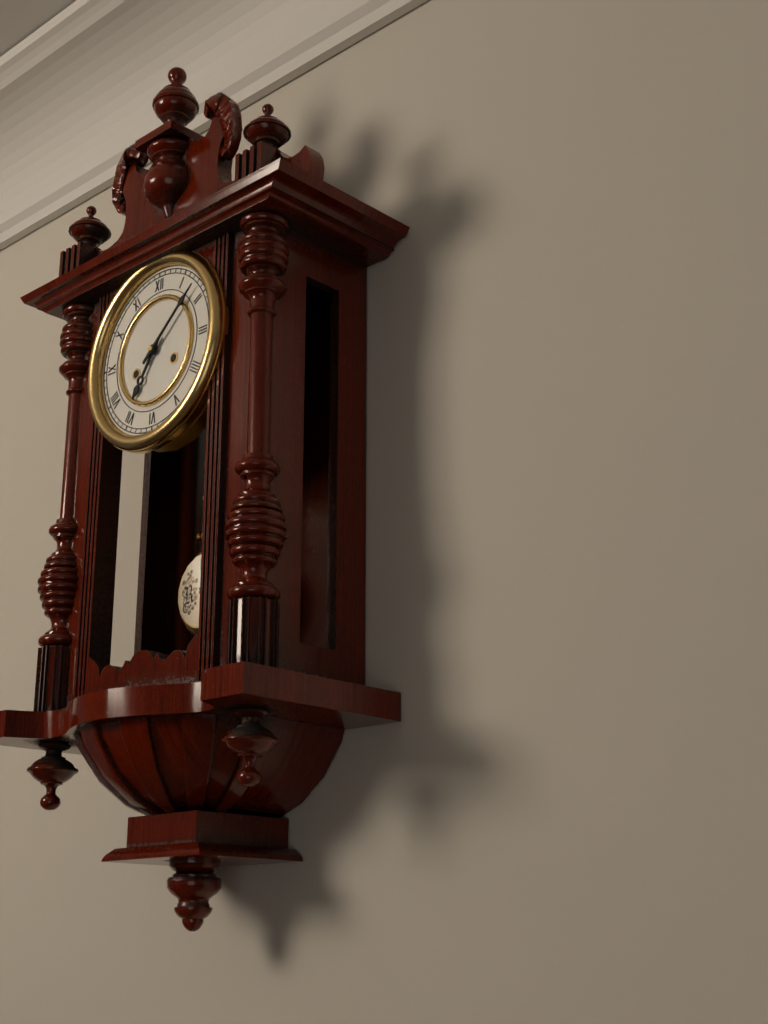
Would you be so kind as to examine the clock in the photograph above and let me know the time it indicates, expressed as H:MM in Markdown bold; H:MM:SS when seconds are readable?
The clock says **7:08**
